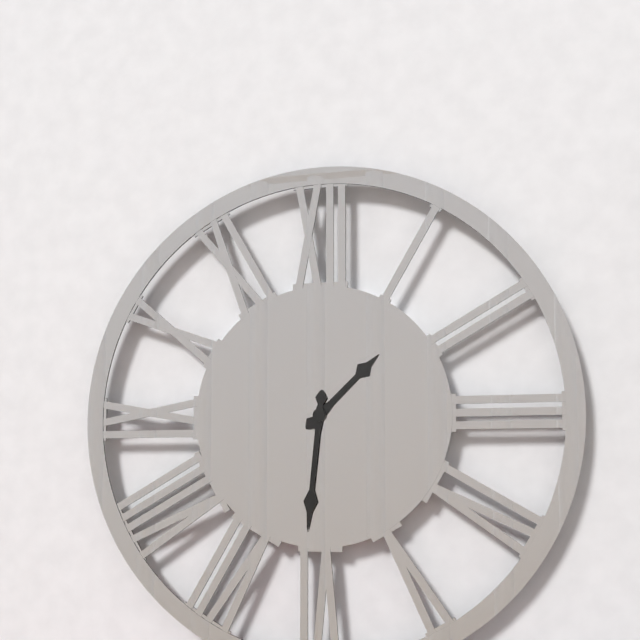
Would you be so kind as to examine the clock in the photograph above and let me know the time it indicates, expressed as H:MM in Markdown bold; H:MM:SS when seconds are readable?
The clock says **1:31**
